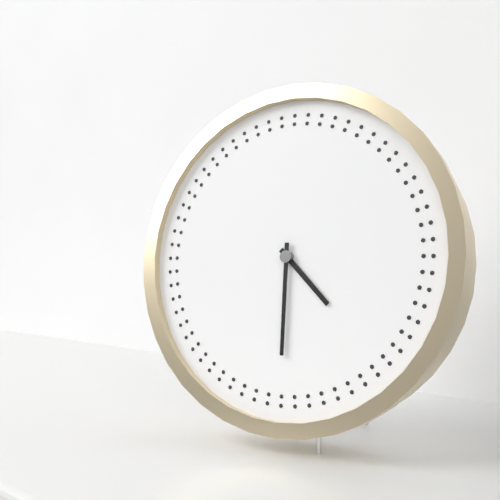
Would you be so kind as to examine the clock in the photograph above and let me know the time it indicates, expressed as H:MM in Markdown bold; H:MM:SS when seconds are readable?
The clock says **4:30**
